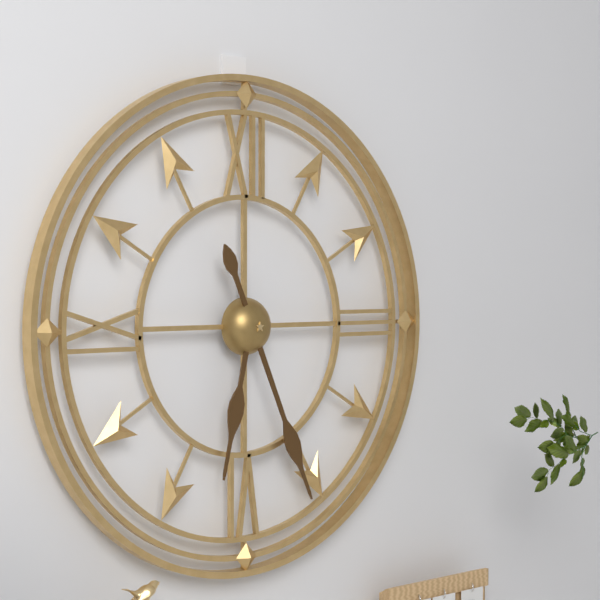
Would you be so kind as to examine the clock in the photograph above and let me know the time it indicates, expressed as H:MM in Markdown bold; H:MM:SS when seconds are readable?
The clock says **6:26**
